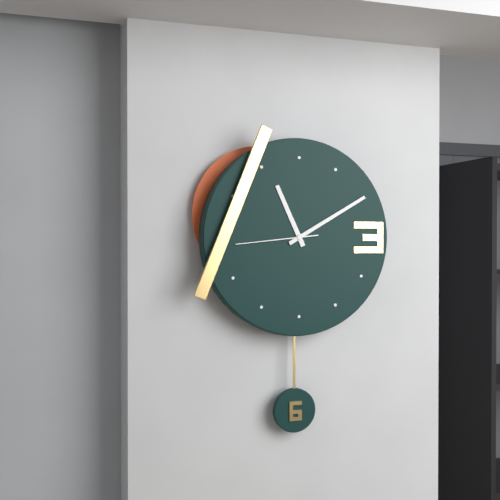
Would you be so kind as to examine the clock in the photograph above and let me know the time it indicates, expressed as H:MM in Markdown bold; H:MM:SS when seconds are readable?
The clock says **11:10:44**
